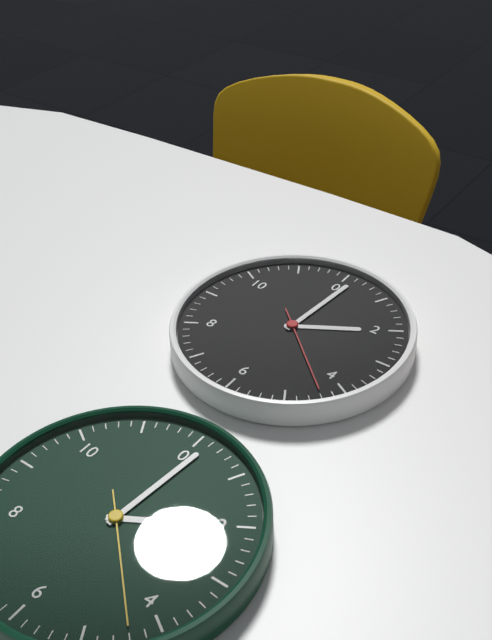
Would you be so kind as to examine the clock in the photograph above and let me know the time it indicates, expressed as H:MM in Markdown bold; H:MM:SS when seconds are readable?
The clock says **2:01:22**
